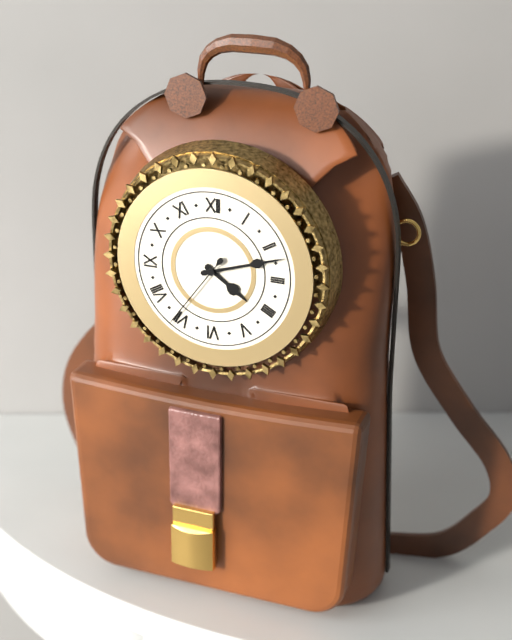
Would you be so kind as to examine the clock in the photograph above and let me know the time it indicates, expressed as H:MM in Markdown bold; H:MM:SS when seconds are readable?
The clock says **4:12:36**
